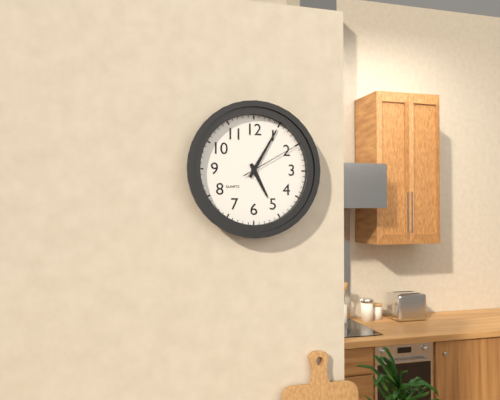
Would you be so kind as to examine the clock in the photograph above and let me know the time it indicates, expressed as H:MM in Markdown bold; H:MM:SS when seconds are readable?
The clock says **5:05:10**
